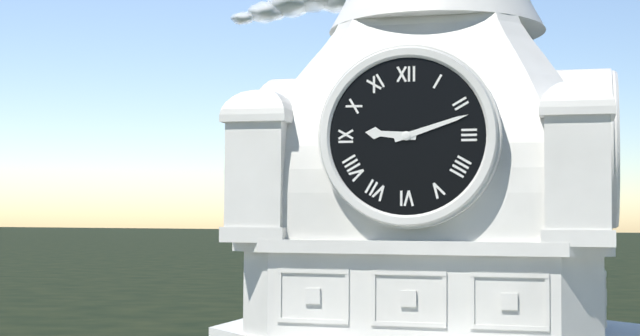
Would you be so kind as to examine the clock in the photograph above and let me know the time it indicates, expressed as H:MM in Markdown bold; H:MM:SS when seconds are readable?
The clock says **9:12**
